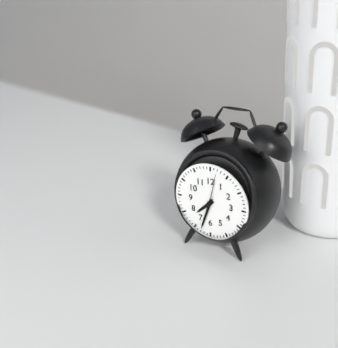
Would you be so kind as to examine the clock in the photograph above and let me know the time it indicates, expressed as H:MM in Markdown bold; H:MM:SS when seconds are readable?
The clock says **7:33**
